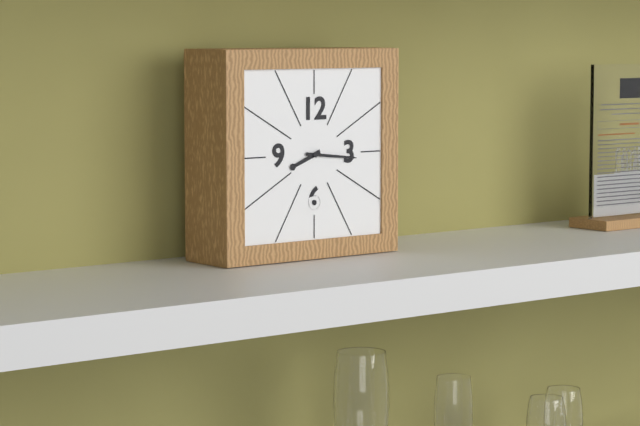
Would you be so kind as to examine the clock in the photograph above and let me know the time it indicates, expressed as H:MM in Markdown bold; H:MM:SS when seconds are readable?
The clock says **8:16**
